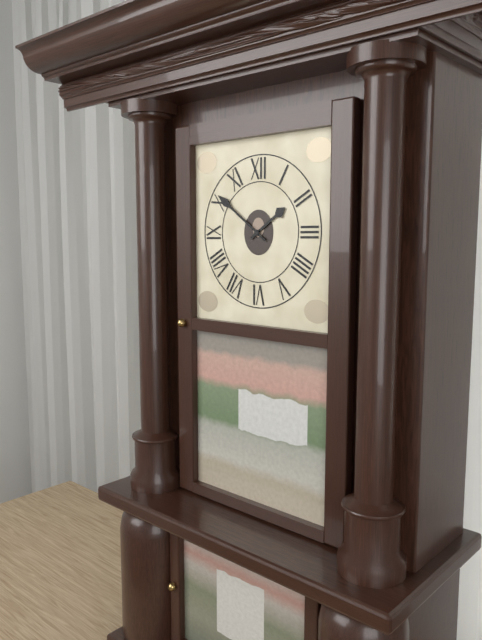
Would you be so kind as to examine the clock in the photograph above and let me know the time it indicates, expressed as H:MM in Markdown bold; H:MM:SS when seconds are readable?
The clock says **1:51**
